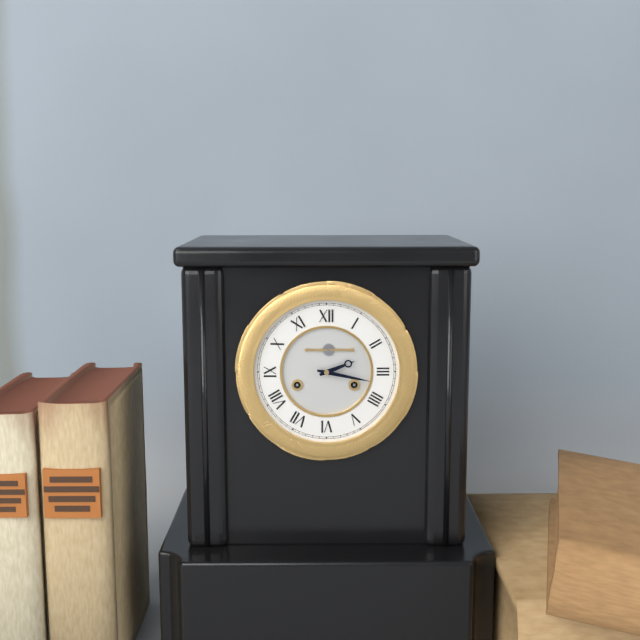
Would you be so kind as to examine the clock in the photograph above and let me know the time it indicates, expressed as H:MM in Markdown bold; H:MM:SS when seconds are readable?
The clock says **2:17**
